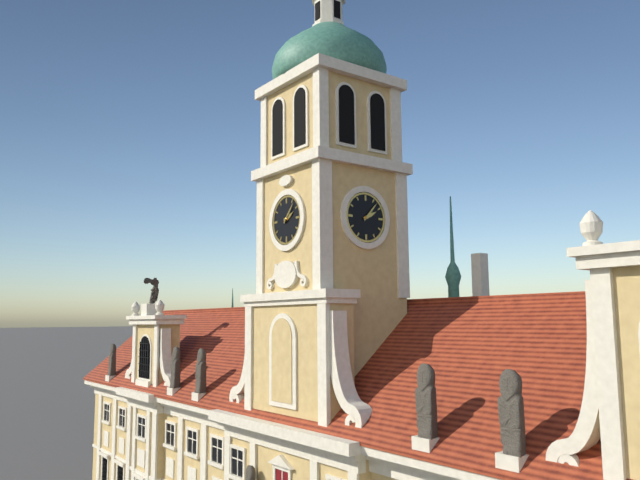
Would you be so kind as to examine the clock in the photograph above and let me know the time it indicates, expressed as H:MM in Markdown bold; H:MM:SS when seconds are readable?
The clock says **2:07**
